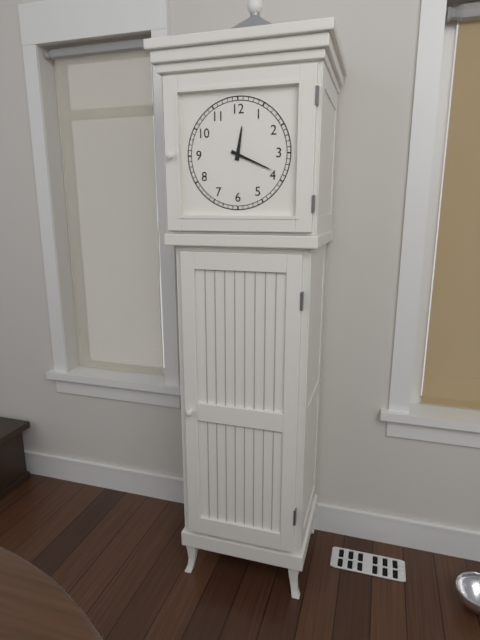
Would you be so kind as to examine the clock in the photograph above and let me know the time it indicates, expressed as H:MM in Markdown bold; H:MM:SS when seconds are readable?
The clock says **12:19**
